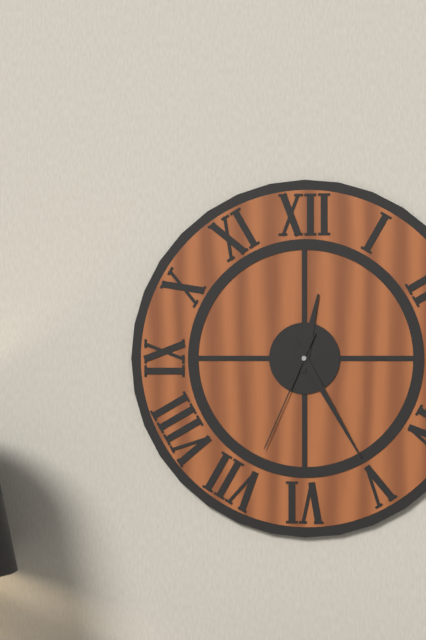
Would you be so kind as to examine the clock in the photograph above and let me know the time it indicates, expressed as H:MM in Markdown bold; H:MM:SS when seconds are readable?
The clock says **12:25:34**
